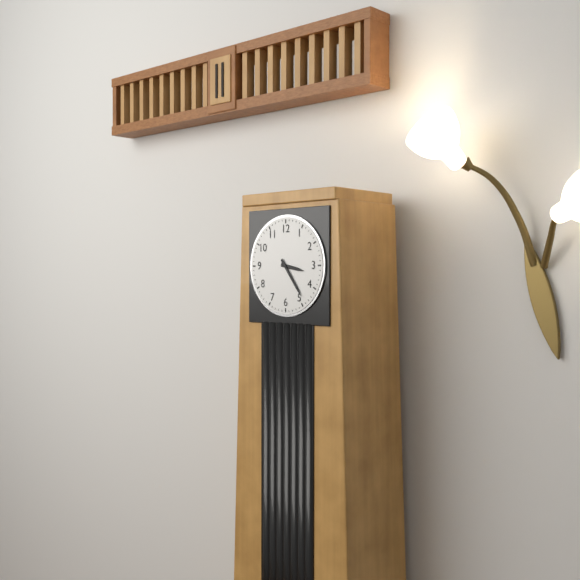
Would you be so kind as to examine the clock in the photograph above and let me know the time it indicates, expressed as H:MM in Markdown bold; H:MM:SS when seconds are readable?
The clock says **3:24**
